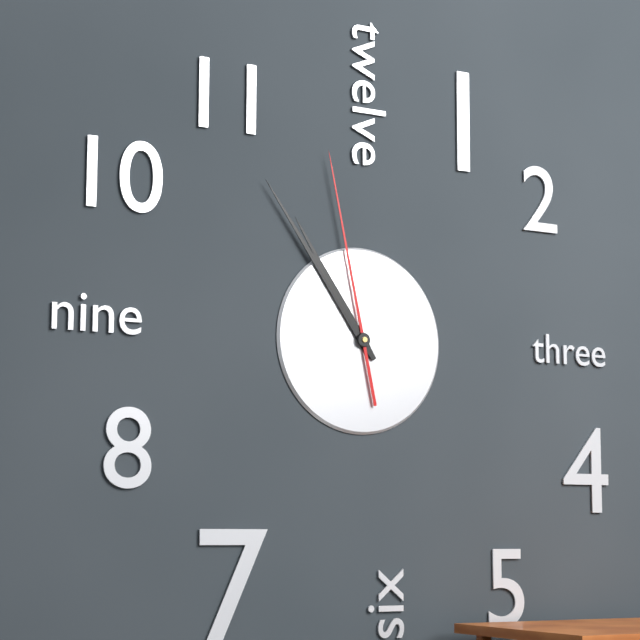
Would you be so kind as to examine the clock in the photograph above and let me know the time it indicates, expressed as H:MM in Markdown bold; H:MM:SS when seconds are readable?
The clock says **10:54:58**
